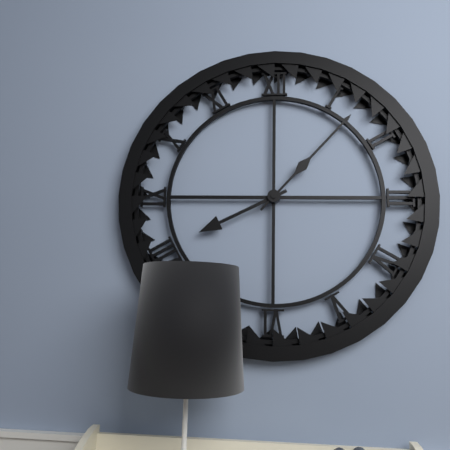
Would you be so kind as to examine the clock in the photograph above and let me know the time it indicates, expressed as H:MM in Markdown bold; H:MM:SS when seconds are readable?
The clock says **8:07**
